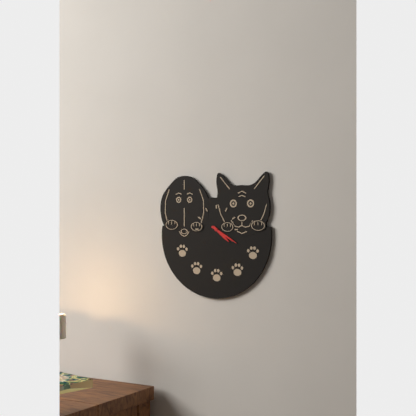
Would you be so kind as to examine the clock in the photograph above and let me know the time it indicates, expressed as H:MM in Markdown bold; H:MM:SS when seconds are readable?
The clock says **4:20**
